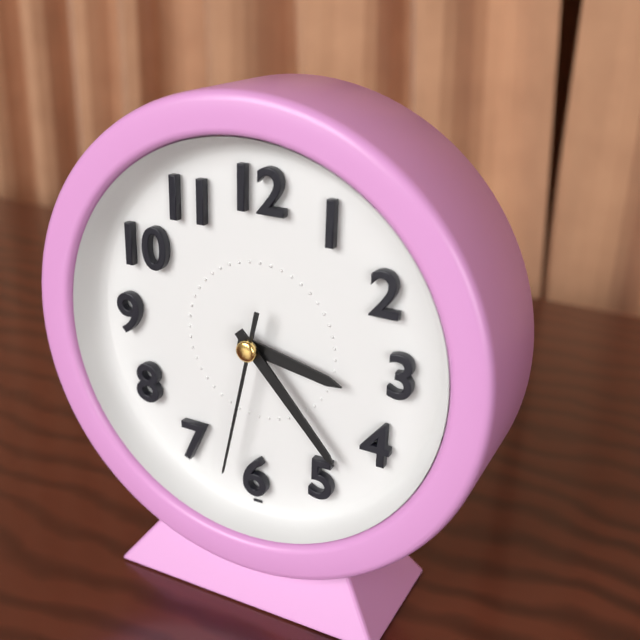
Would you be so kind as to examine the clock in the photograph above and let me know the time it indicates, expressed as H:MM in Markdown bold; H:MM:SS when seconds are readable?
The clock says **3:23:32**
